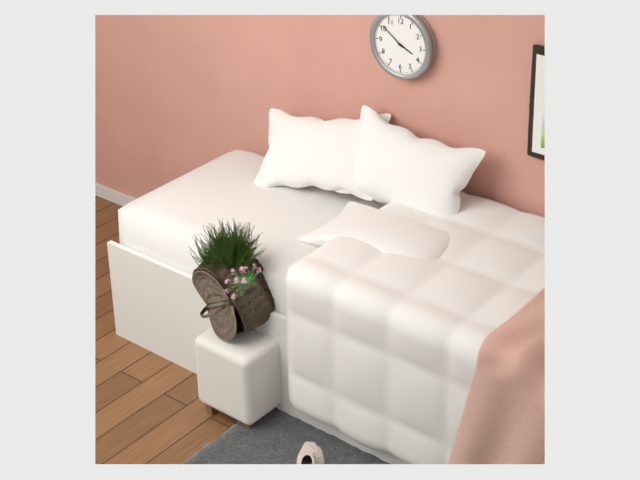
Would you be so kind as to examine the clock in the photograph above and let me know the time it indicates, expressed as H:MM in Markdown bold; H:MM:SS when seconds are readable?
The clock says **3:51**
